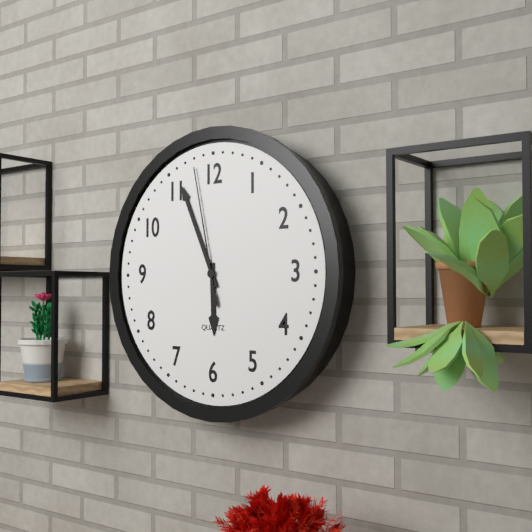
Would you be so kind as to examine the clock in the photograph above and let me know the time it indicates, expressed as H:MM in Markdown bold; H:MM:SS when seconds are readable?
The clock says **5:56:58**
